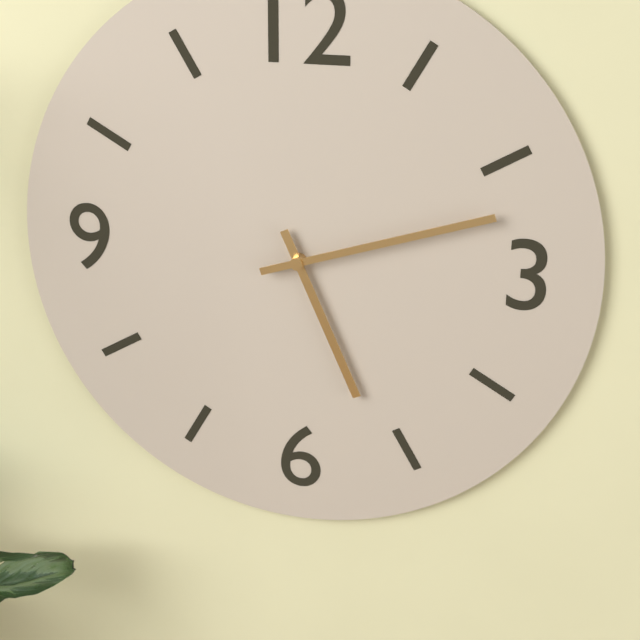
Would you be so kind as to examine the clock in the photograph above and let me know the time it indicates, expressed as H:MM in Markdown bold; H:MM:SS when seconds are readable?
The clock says **5:12**
